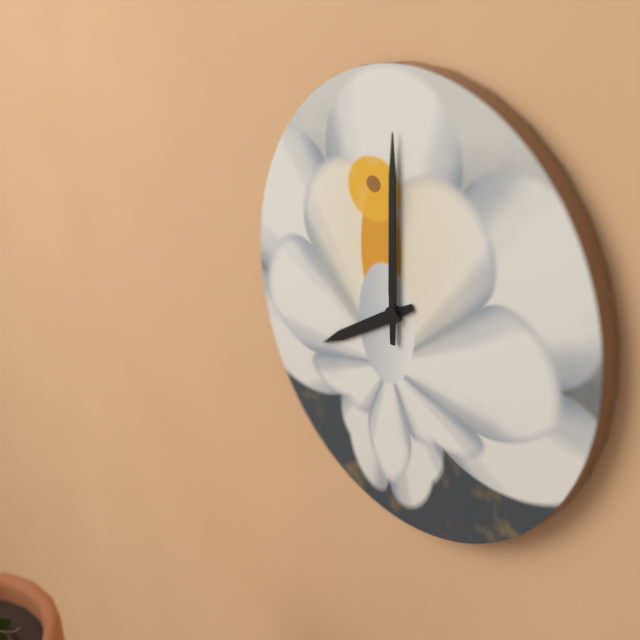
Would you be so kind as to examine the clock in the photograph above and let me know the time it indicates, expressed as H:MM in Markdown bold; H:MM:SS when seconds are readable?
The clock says **8:00**
